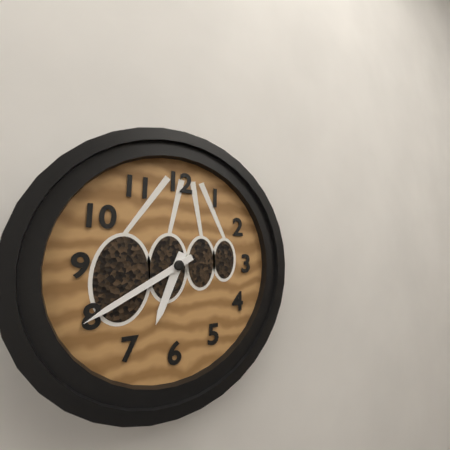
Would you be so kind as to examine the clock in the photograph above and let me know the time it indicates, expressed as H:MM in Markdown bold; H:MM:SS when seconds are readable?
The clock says **6:40**
